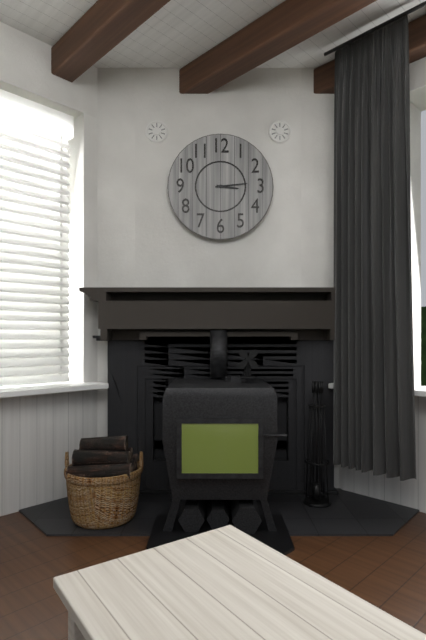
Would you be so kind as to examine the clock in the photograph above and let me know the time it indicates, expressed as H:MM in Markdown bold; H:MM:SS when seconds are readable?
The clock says **3:14**
